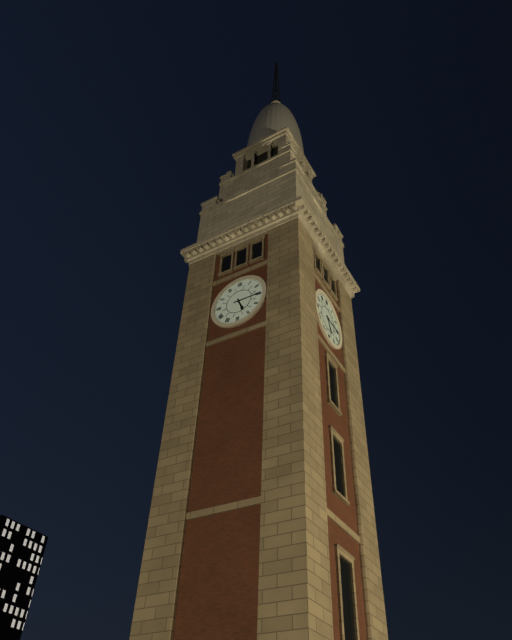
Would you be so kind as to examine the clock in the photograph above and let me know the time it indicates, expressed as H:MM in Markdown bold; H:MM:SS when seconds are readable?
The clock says **5:15**
